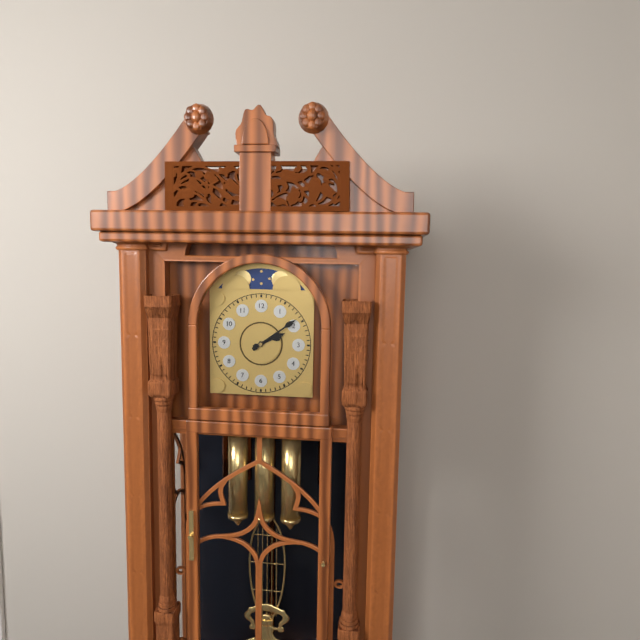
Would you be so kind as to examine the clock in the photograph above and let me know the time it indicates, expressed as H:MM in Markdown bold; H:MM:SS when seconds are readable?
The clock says **2:09**
